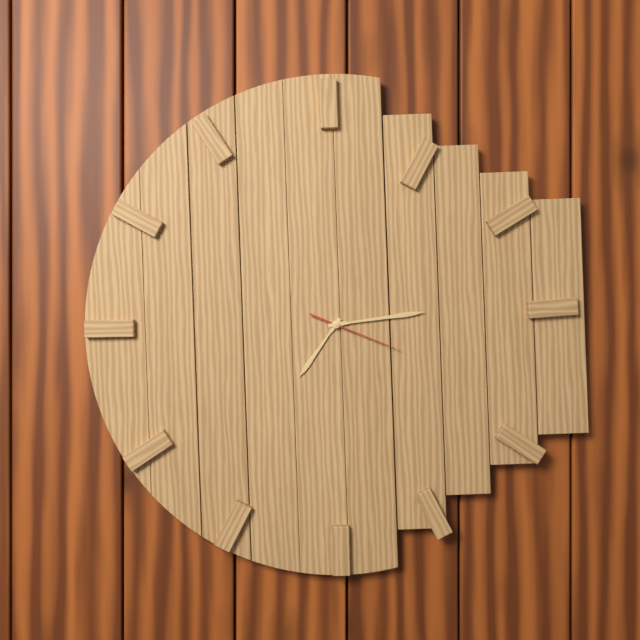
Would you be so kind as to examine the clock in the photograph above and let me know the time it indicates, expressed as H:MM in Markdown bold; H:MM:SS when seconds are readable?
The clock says **7:14:19**
